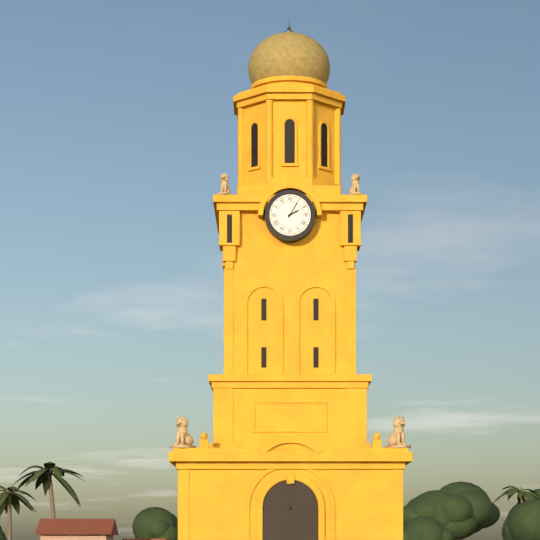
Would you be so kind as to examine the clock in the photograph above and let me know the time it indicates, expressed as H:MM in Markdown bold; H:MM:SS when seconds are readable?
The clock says **2:05**
